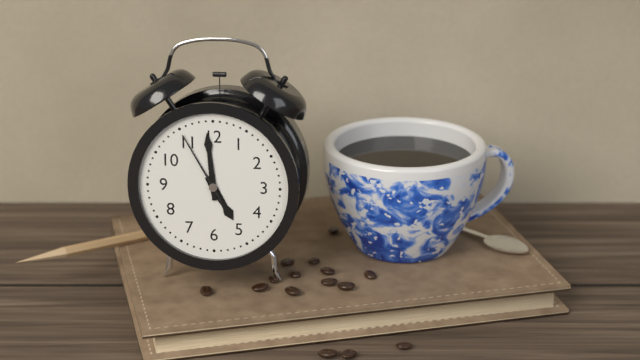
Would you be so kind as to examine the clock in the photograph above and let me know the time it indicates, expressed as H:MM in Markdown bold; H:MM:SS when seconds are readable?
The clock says **4:59:55**
